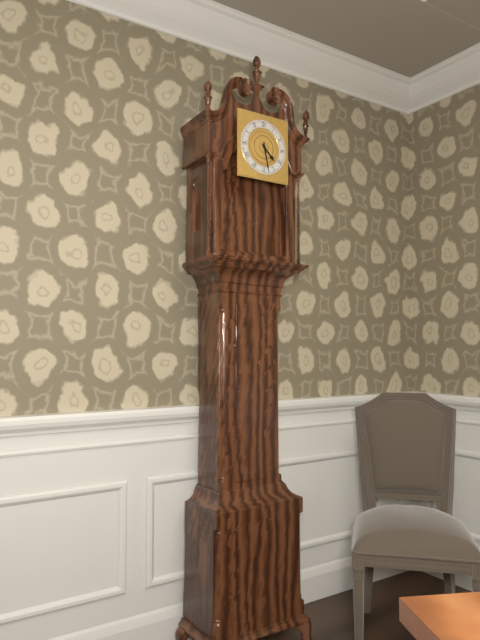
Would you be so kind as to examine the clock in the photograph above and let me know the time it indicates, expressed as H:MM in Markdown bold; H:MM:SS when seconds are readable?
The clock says **4:28**
